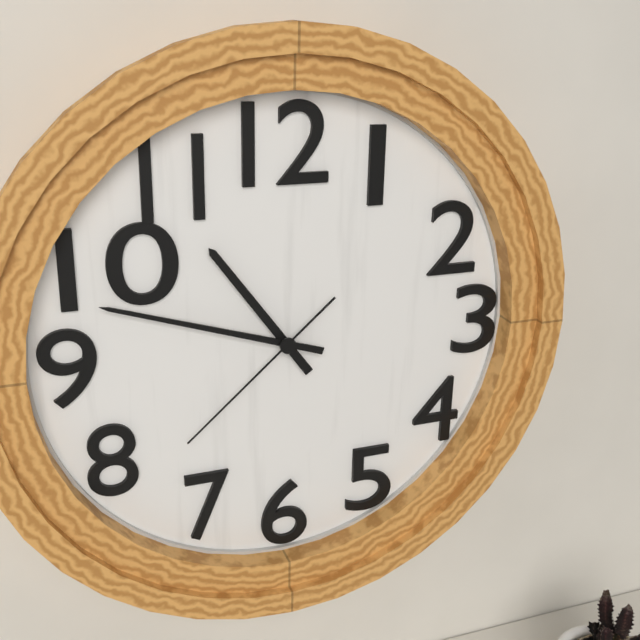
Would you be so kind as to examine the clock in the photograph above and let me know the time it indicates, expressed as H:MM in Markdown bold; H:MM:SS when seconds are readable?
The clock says **10:48:38**
